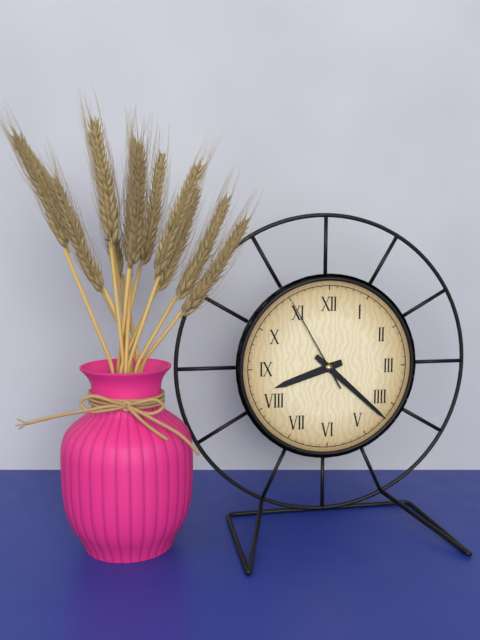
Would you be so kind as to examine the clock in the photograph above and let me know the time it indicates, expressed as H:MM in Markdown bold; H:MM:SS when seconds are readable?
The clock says **8:22:55**
